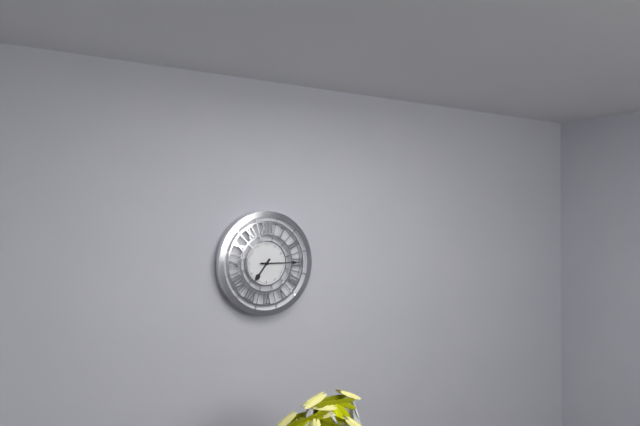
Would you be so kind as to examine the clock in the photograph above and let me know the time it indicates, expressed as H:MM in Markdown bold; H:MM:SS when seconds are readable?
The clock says **7:15**
